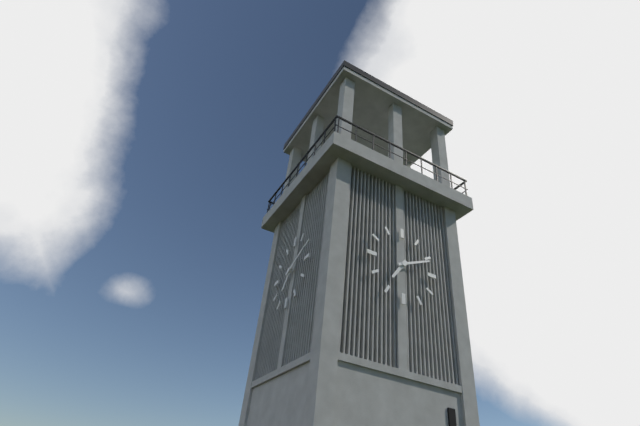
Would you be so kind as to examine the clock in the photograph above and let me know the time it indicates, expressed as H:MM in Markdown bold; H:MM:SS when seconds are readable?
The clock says **7:11**
